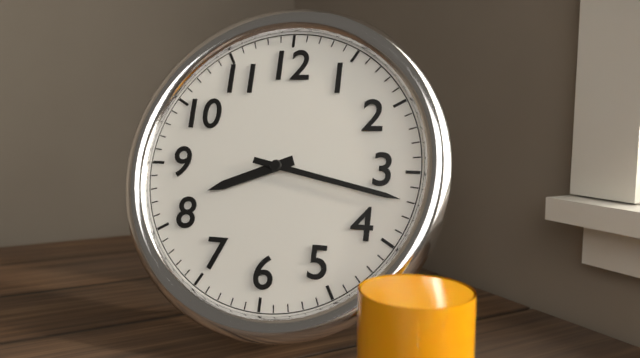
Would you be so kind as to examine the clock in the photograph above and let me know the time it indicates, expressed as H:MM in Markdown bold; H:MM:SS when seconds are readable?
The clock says **8:17**
